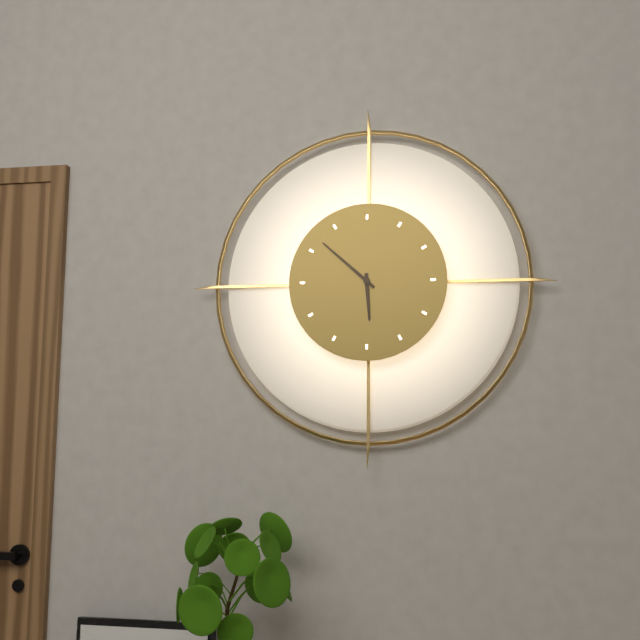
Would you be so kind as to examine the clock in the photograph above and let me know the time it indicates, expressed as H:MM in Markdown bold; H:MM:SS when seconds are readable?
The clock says **5:52**
